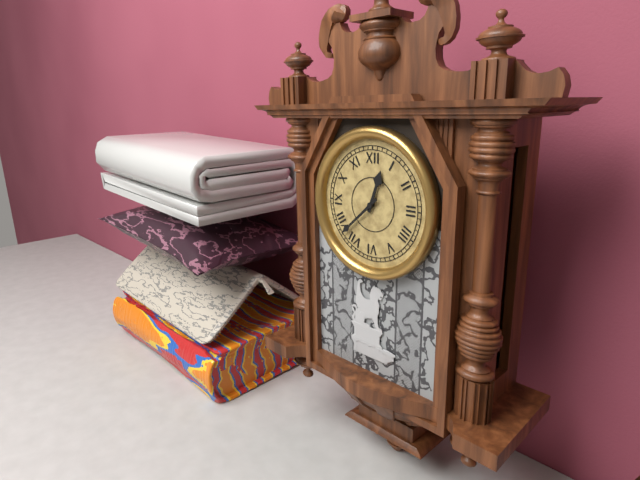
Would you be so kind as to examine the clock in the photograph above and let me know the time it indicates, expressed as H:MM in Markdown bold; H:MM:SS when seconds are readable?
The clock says **12:38**
